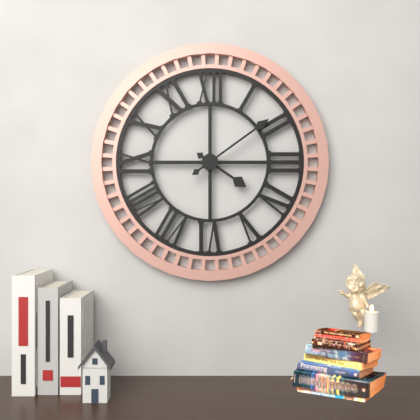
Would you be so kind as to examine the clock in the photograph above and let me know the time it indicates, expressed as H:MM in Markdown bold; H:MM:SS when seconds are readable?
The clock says **4:09**
